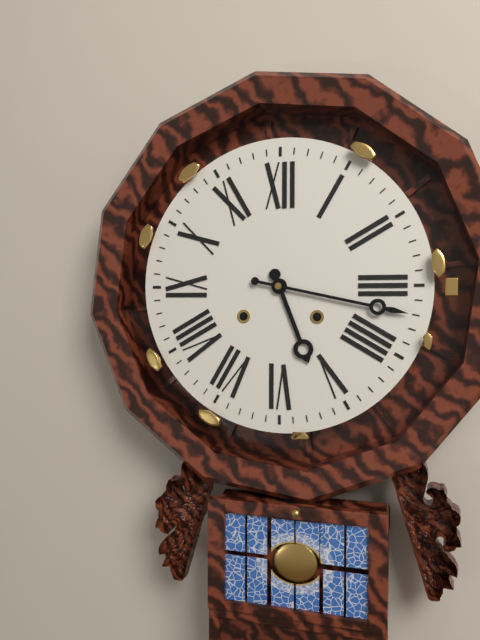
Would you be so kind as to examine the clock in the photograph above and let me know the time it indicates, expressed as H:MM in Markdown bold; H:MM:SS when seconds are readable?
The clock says **5:17**
